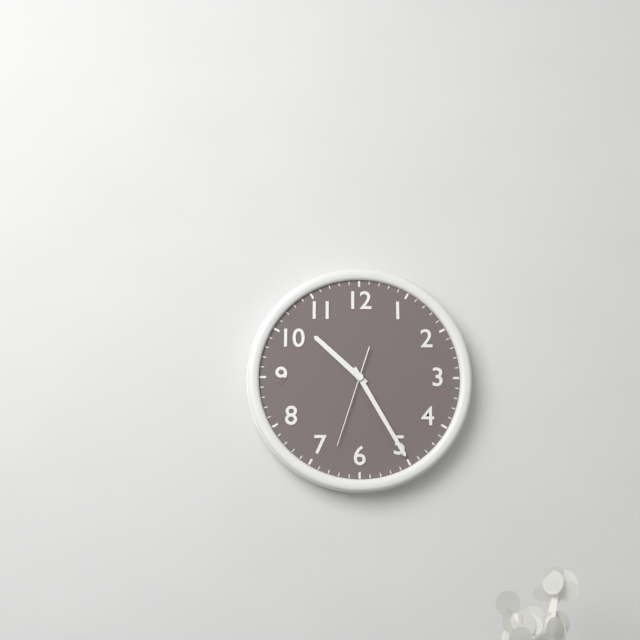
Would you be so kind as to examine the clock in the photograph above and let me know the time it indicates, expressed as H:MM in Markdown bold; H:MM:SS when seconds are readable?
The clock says **10:25:33**
